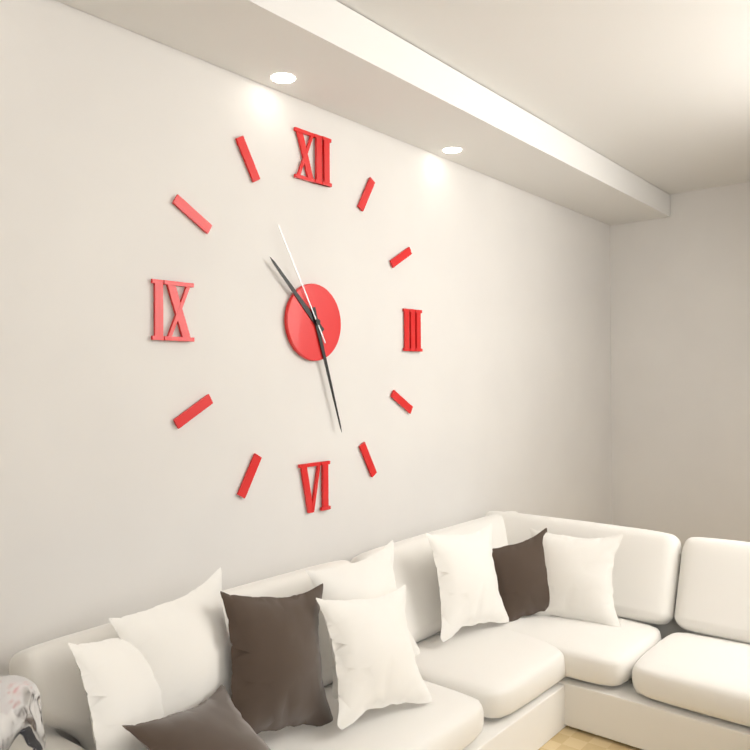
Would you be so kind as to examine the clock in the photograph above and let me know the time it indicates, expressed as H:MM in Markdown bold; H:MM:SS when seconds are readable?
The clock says **10:27:55**
